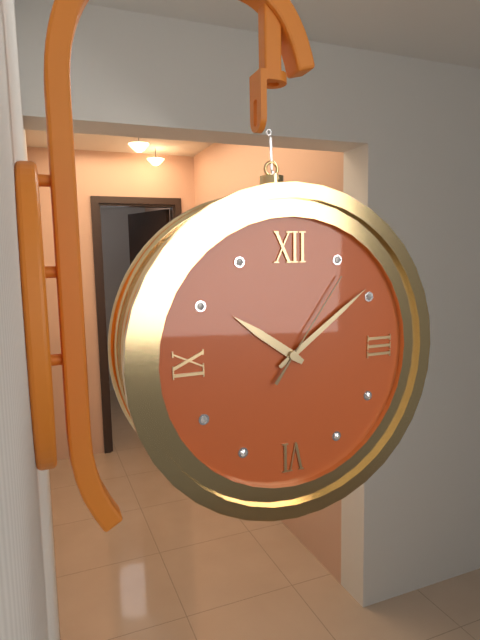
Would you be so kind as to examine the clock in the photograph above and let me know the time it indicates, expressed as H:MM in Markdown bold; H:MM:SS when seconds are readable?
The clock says **10:09:06**
